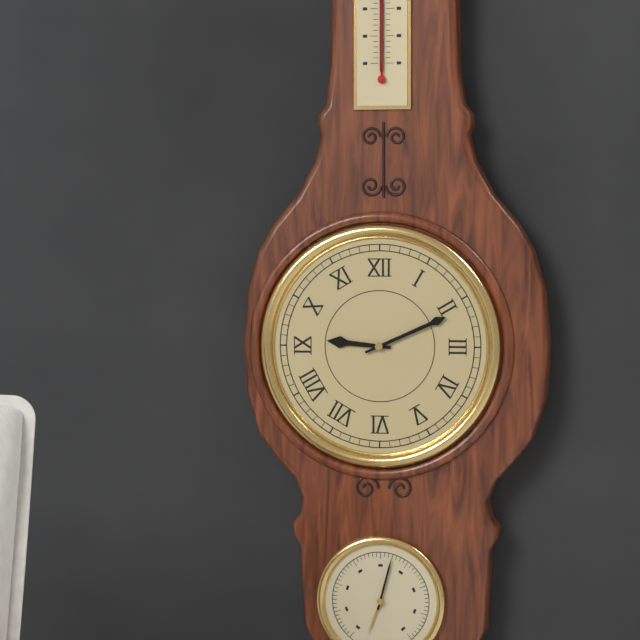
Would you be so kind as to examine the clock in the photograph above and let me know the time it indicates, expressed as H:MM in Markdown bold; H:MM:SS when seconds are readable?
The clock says **9:11**
